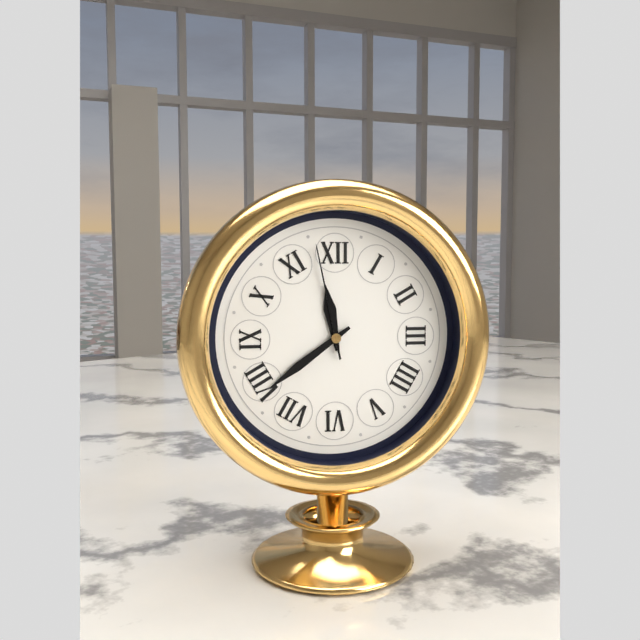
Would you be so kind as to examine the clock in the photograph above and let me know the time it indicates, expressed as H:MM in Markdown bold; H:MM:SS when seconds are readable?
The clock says **11:39:58**
